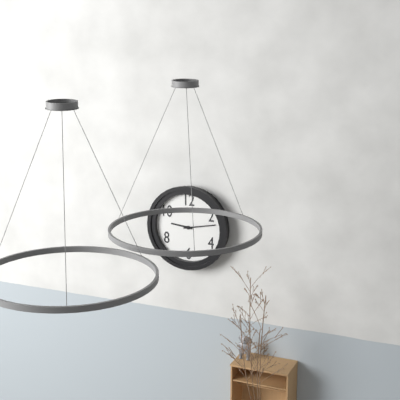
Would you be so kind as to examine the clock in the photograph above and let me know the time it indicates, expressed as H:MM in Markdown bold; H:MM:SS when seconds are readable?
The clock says **9:13**
